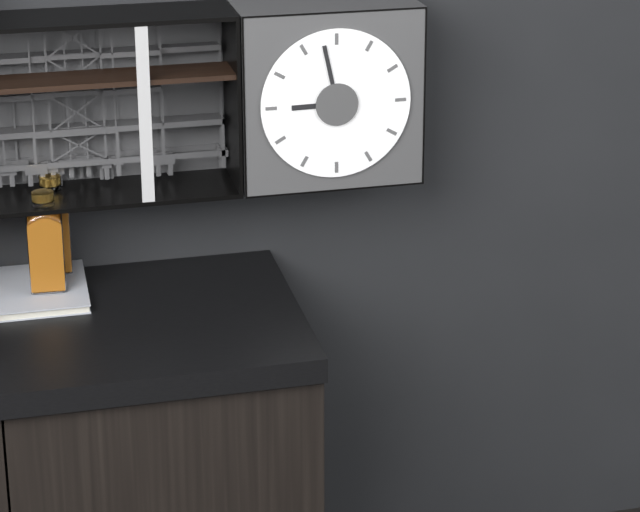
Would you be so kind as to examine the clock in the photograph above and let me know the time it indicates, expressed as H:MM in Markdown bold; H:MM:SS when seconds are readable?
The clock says **8:58**
